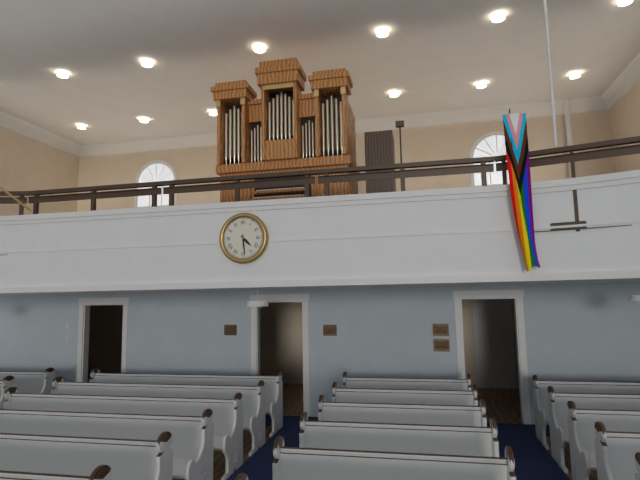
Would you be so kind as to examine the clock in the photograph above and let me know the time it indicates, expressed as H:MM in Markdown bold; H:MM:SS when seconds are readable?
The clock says **4:29**
